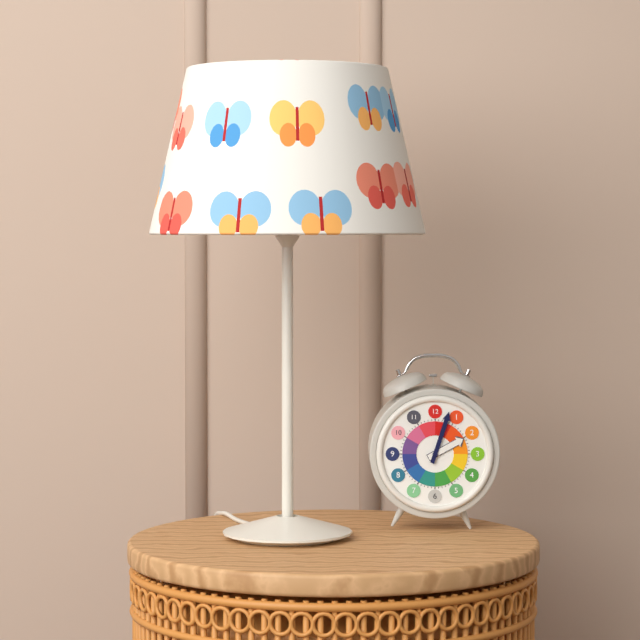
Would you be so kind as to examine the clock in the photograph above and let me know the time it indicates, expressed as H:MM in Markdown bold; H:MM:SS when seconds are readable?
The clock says **2:03**
